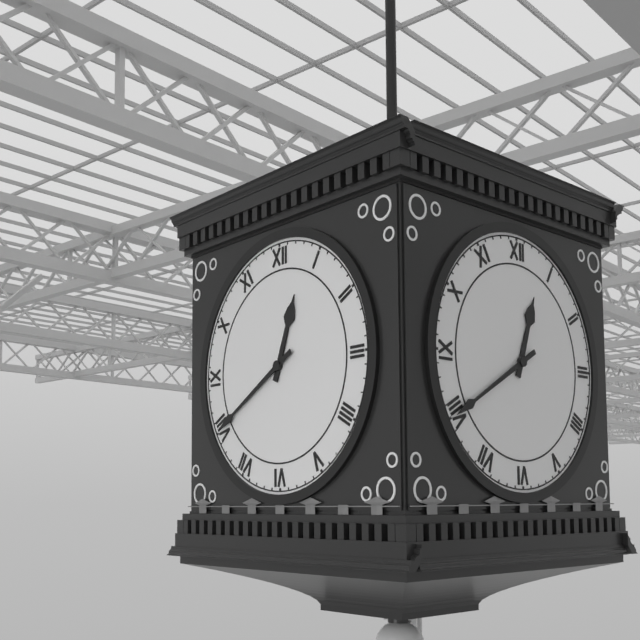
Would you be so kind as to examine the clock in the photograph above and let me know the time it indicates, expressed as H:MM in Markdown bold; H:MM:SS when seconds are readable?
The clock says **12:40**
